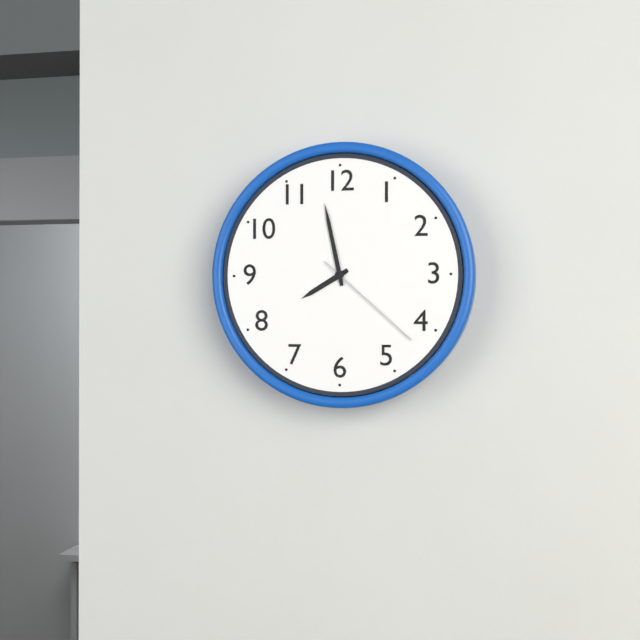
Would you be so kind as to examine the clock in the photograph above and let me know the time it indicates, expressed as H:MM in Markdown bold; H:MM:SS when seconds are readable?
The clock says **7:58:22**
